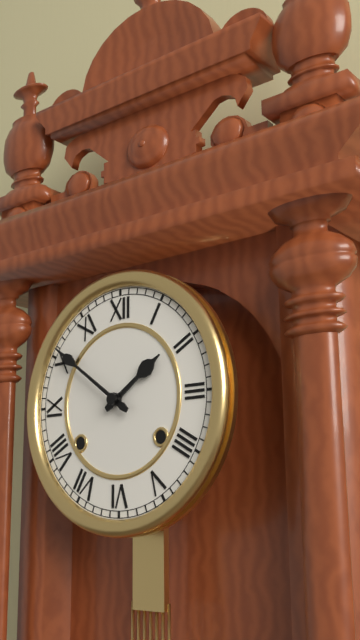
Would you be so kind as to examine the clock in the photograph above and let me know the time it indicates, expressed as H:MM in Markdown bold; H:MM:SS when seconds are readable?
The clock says **1:51**
